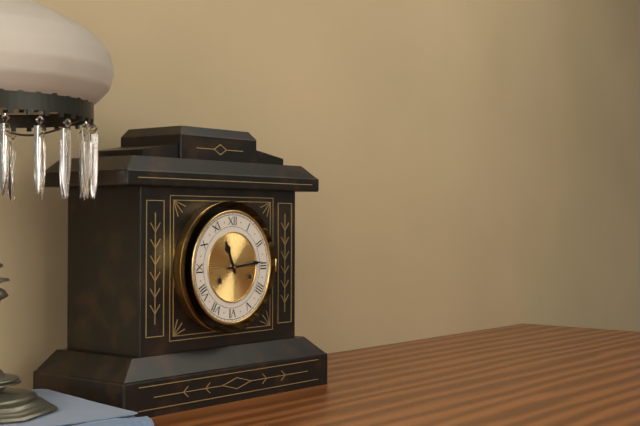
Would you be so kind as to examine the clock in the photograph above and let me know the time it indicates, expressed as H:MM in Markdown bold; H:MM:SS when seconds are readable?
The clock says **11:14**
